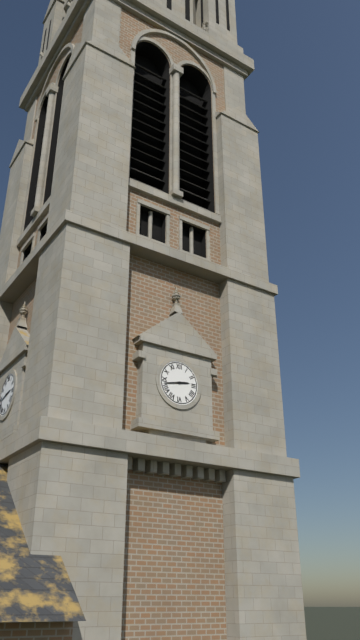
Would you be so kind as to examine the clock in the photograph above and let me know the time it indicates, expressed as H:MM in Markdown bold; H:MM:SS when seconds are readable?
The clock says **2:43**
